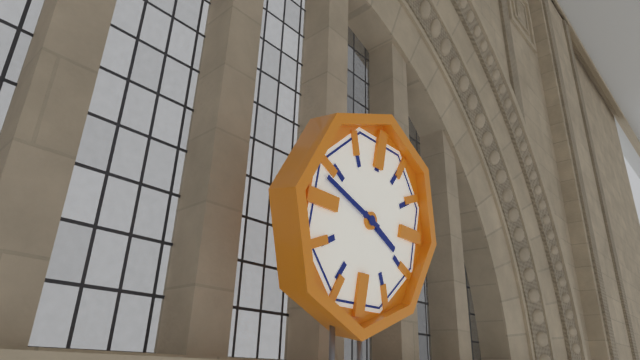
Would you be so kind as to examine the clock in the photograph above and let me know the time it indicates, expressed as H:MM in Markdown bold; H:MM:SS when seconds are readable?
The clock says **3:48**
